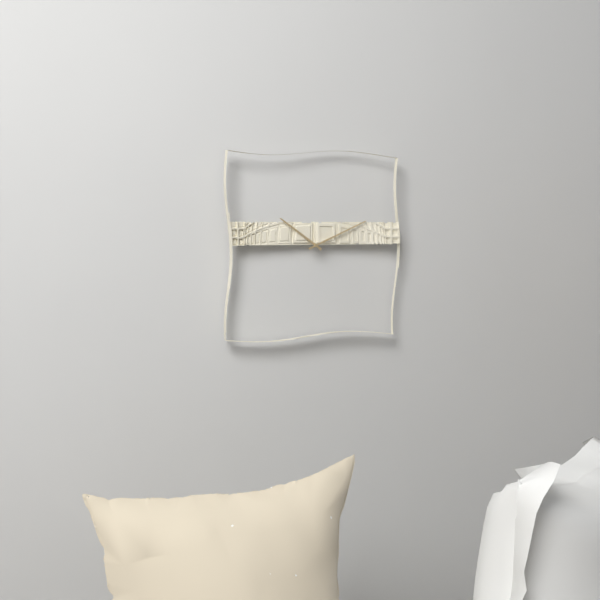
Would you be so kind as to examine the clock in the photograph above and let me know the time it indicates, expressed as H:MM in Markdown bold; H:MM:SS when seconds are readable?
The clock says **10:11**
